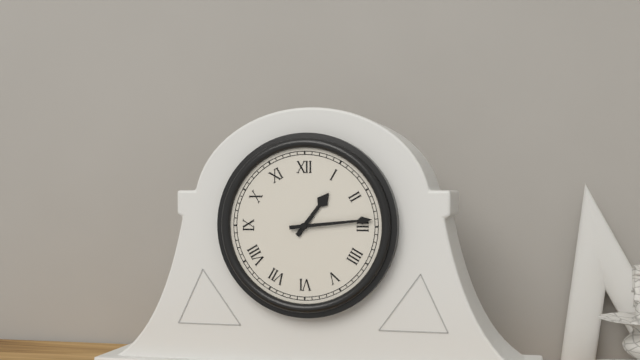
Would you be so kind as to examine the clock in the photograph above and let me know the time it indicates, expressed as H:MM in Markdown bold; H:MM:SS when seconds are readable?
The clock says **1:14**
